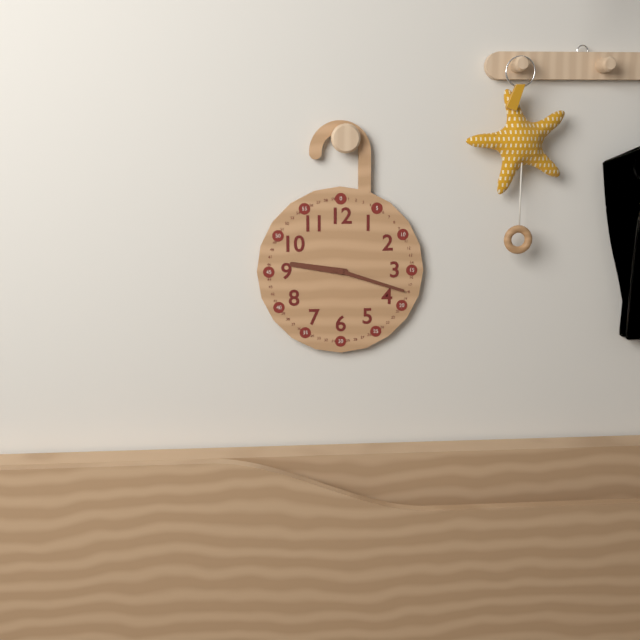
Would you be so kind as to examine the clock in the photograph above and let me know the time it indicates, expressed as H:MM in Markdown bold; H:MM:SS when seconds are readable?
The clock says **9:18**
